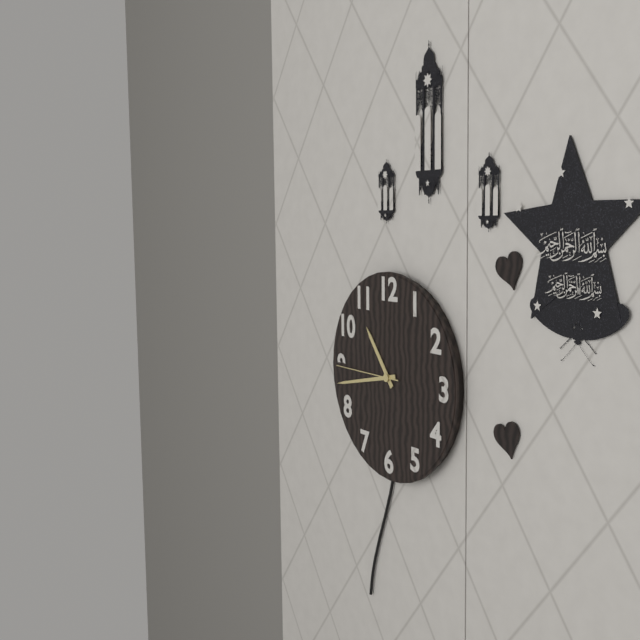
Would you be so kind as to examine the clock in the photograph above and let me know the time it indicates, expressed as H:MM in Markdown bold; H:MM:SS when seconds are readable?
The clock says **10:43:45**
